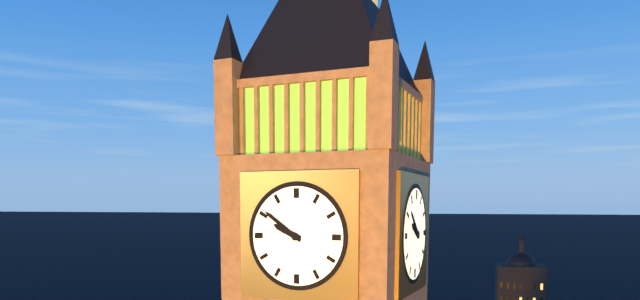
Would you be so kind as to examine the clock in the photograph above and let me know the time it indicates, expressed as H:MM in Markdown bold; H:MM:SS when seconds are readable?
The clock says **9:51**
